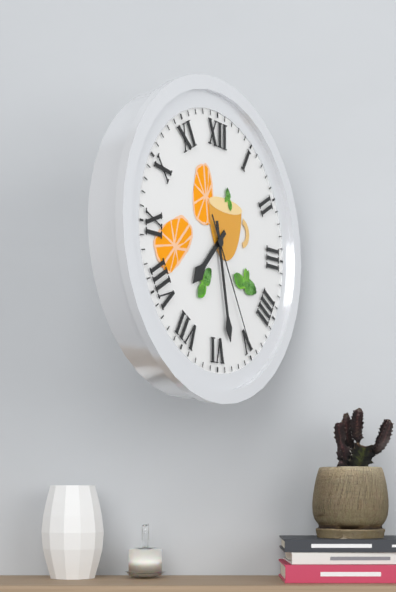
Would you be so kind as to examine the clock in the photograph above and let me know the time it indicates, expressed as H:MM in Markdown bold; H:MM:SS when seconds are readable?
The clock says **7:28:25**
